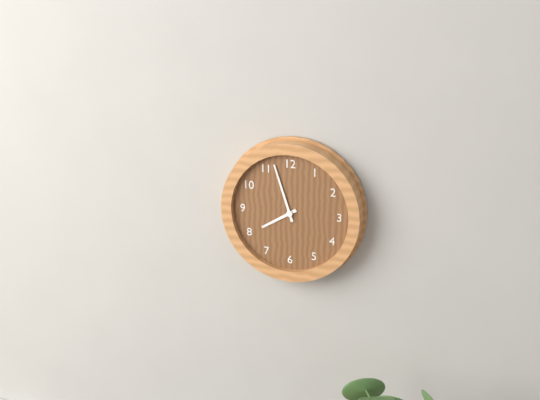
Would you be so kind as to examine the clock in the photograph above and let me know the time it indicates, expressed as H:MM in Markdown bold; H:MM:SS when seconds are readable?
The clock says **7:57**
